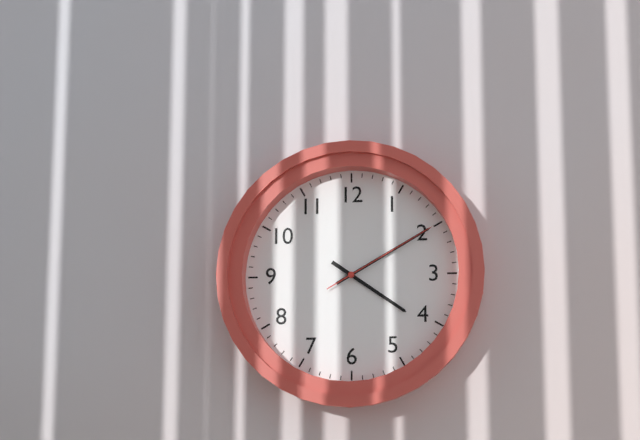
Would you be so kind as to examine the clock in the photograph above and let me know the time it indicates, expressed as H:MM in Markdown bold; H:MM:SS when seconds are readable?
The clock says **4:10:10**
